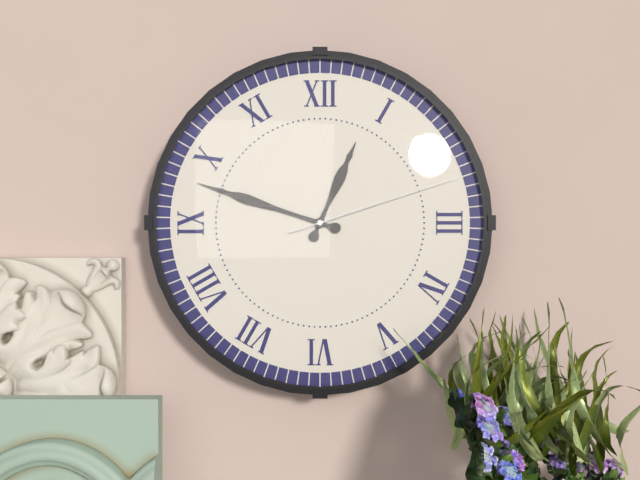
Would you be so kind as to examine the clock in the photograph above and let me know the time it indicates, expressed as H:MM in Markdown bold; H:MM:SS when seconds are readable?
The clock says **12:48:12**
